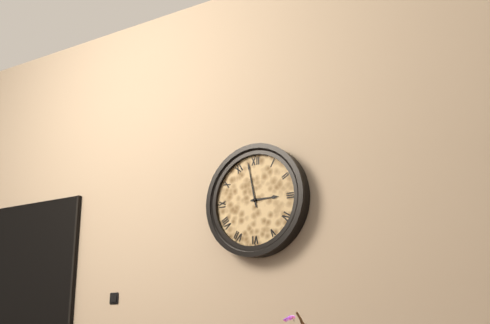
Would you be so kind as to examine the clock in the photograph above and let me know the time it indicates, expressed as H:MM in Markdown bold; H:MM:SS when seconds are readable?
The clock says **2:58**
